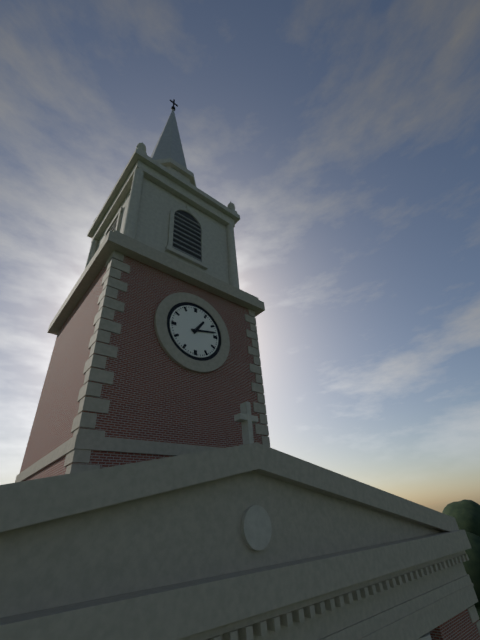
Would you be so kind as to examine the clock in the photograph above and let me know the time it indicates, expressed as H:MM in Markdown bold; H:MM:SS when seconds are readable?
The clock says **1:13**
